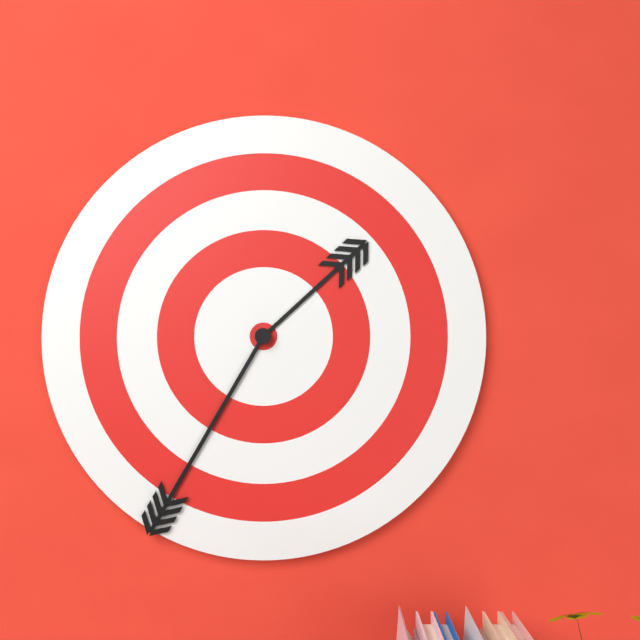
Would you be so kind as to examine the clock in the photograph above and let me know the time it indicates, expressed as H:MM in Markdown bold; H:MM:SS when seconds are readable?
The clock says **1:35**
